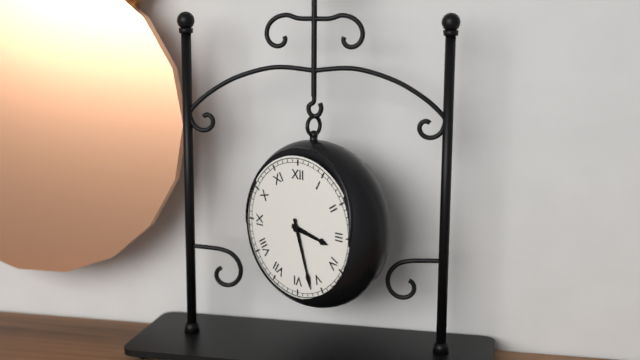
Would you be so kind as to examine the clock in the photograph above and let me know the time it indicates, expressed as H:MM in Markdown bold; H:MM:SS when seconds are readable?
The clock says **3:27**
